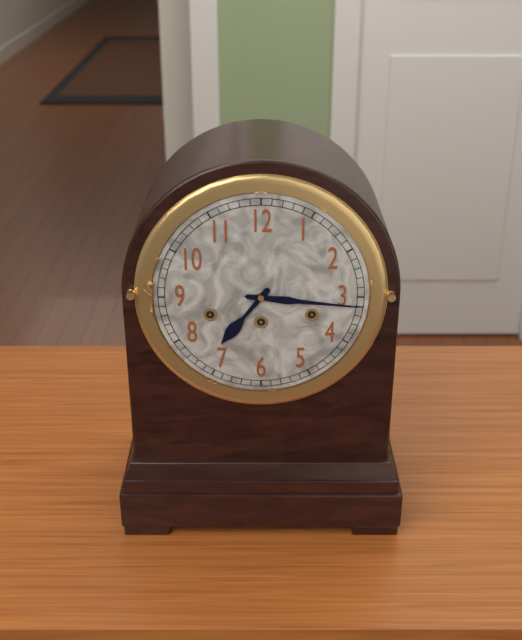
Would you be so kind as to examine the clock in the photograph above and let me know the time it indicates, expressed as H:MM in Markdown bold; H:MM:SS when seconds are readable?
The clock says **7:16**
